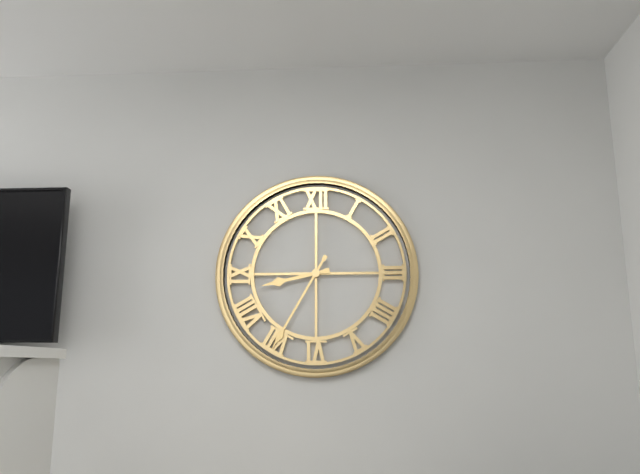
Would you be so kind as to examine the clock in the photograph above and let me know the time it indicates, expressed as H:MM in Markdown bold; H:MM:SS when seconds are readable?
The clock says **8:35**
